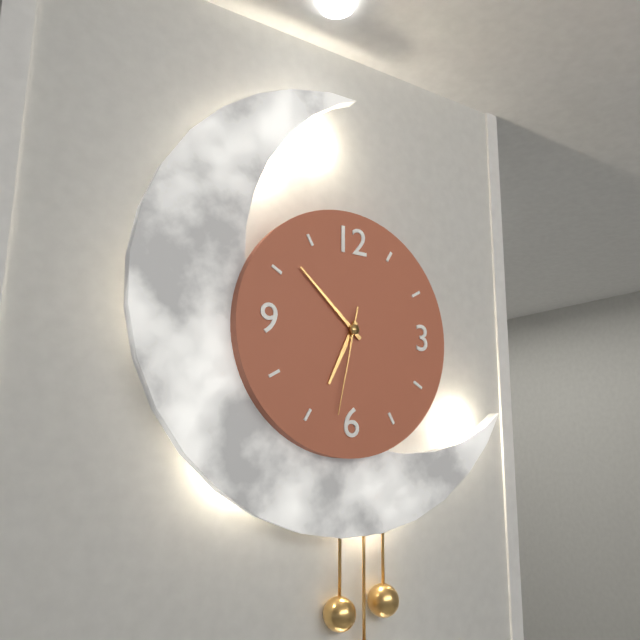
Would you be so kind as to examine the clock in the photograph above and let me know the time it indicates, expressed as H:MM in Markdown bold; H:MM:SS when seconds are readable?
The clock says **6:52:32**
